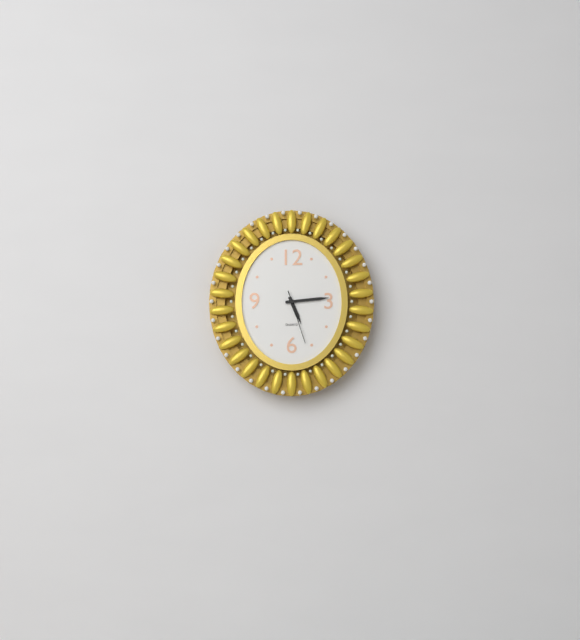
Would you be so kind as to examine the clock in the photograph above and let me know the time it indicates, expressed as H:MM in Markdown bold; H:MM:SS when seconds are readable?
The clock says **5:14:27**
